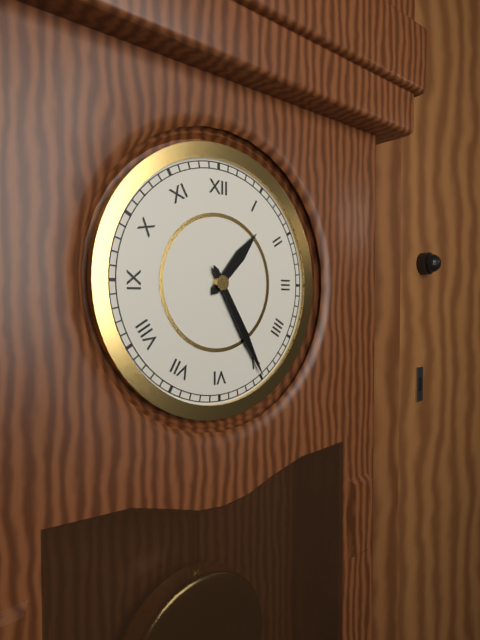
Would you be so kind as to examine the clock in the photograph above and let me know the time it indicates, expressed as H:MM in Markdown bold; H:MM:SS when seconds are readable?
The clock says **1:25**
